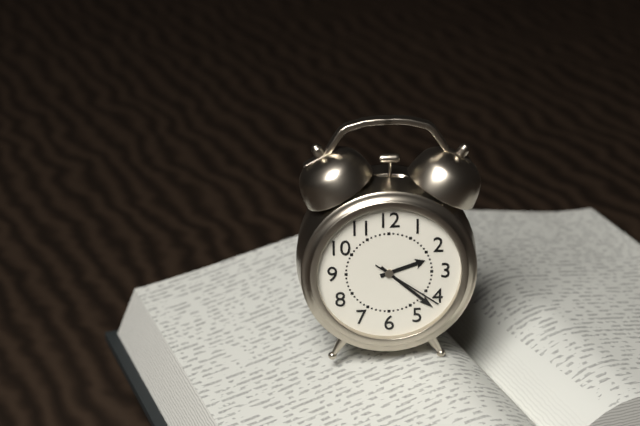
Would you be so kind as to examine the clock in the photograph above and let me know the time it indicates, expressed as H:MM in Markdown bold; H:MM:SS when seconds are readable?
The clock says **2:22:21**
